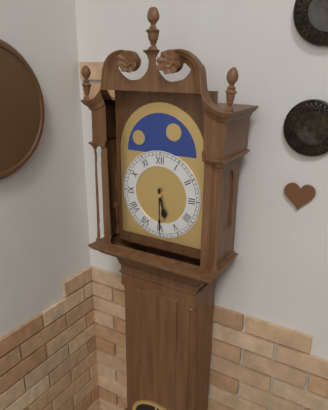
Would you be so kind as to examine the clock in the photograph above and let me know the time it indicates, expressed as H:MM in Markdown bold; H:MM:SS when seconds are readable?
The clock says **5:30**
